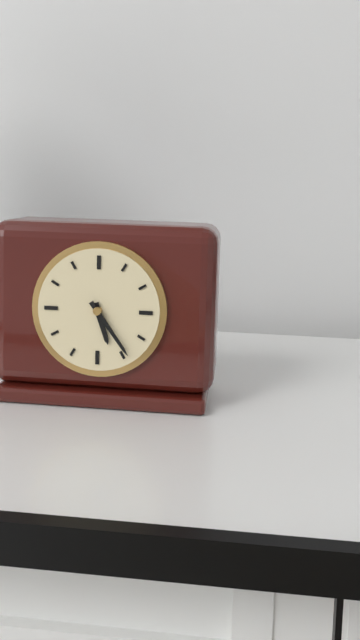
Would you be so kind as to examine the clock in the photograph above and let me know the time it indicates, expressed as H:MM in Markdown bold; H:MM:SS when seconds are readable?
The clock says **5:24**
